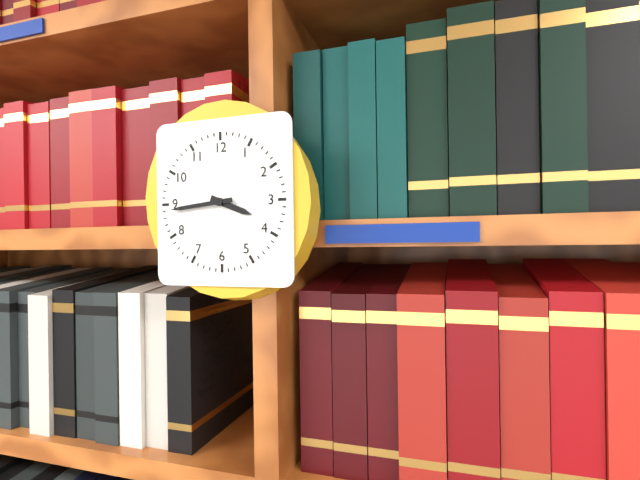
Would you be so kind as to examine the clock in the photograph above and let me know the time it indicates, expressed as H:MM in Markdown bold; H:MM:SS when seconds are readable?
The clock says **3:44**
